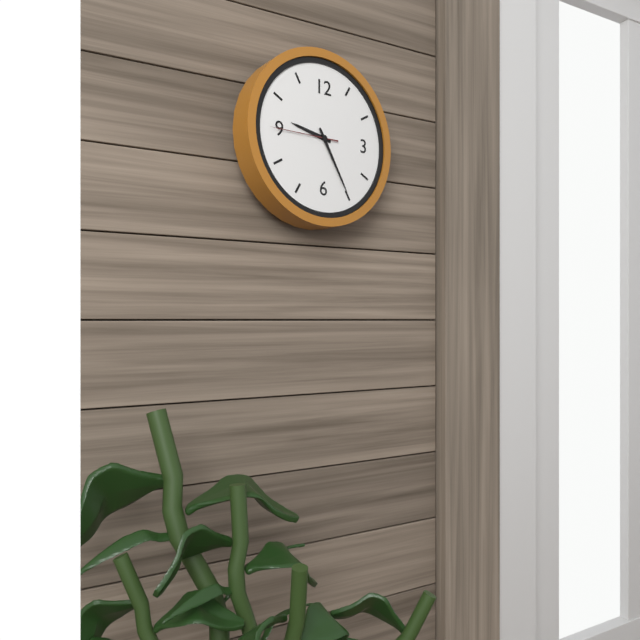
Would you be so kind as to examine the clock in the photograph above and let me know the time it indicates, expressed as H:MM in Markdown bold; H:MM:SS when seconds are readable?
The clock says **9:25:45**
